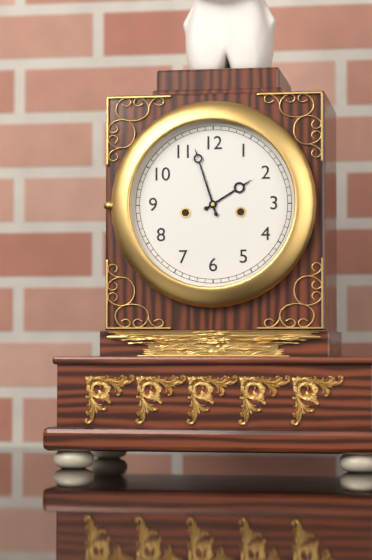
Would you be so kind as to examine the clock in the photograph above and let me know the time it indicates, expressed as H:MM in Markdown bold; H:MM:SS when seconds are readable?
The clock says **1:57**
